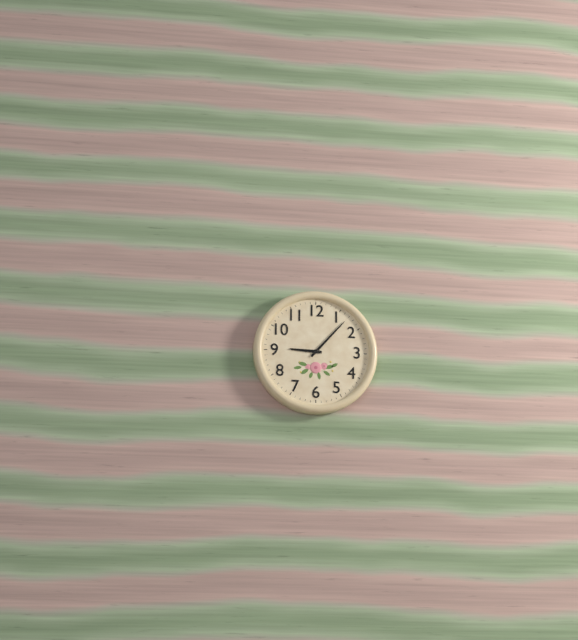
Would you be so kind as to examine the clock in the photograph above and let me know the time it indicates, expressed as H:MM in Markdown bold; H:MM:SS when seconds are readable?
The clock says **9:07**
